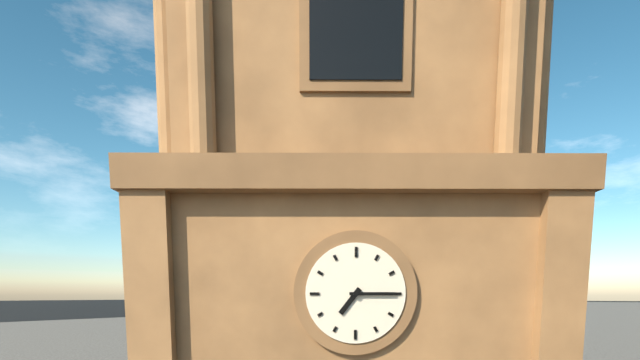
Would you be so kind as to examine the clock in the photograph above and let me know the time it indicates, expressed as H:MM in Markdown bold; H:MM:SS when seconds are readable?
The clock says **7:15**
